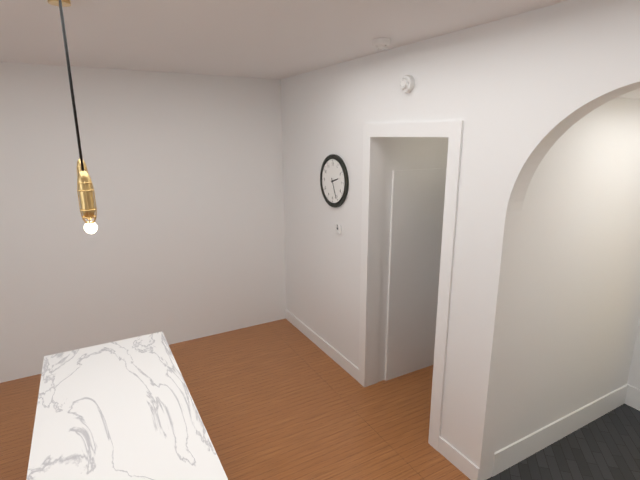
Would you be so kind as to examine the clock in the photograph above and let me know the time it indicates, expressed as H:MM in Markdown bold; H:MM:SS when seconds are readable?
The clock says **2:26**
